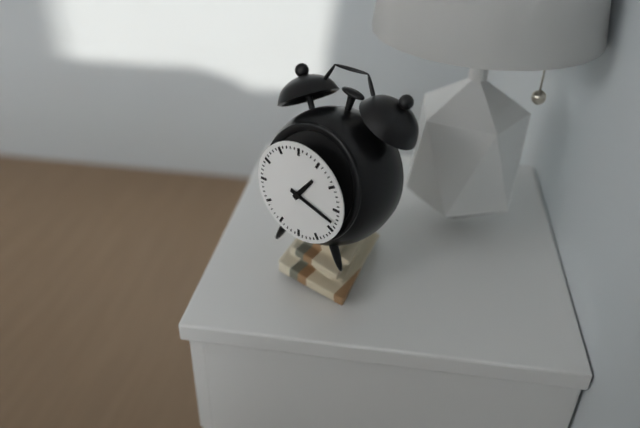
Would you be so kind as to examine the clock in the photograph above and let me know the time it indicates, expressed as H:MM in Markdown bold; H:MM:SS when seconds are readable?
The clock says **1:18**
